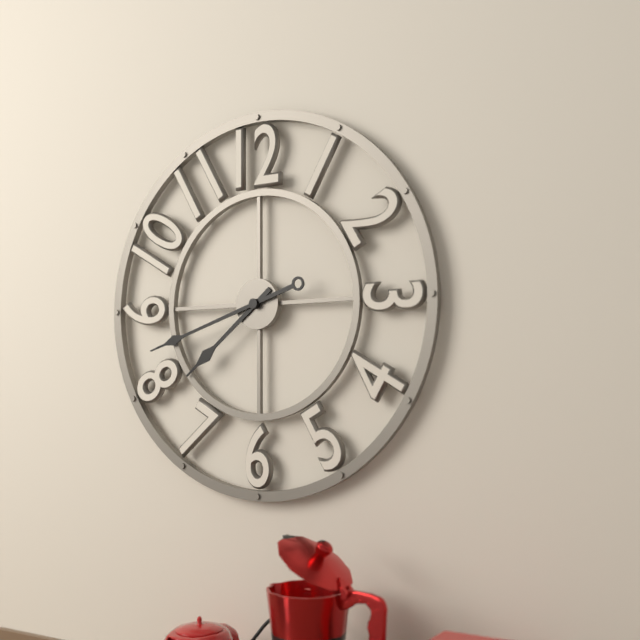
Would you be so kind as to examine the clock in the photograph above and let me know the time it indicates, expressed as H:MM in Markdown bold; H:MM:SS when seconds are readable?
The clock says **7:42**
